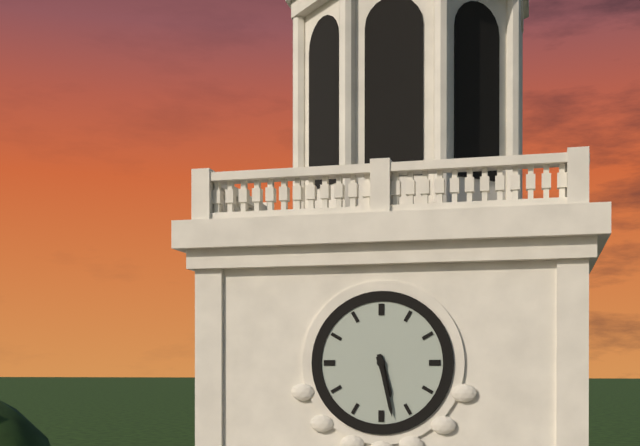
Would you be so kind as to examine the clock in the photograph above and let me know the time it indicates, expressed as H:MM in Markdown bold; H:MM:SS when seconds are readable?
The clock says **5:28**
